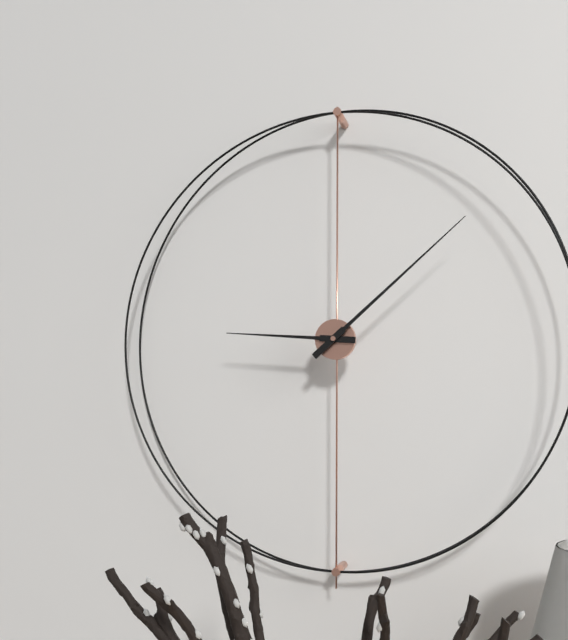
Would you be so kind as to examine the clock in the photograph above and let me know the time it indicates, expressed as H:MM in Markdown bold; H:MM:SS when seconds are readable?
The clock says **9:08**
